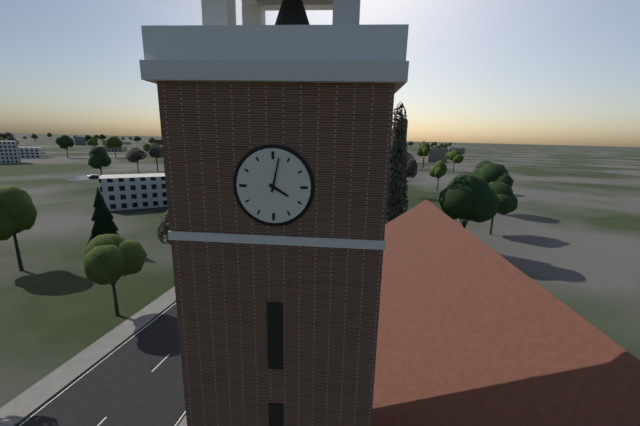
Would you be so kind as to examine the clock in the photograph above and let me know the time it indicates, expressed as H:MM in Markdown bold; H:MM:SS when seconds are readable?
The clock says **4:02**
